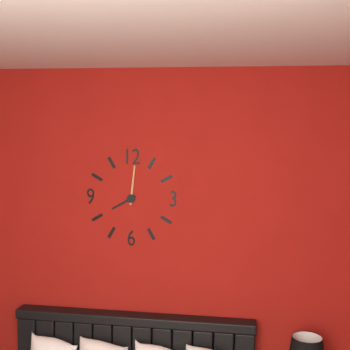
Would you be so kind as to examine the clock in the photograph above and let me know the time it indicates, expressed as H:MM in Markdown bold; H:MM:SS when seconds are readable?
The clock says **8:01**
